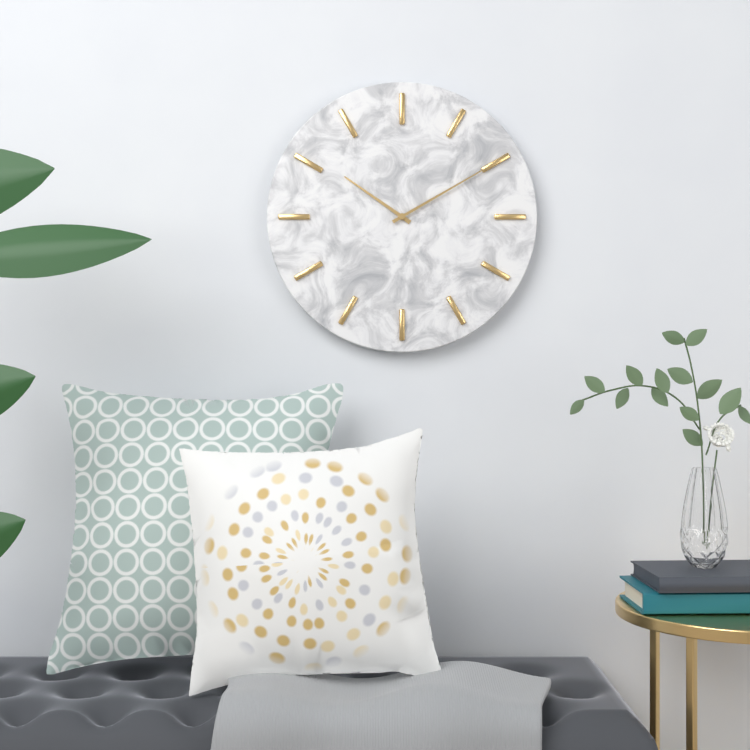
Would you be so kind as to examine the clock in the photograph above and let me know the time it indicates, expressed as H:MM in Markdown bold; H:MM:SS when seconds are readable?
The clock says **10:10**
